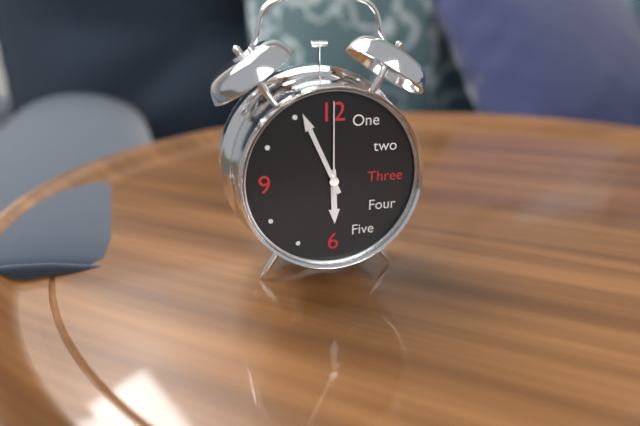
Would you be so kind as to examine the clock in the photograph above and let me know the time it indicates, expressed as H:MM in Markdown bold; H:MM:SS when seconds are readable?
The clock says **5:56:00**
